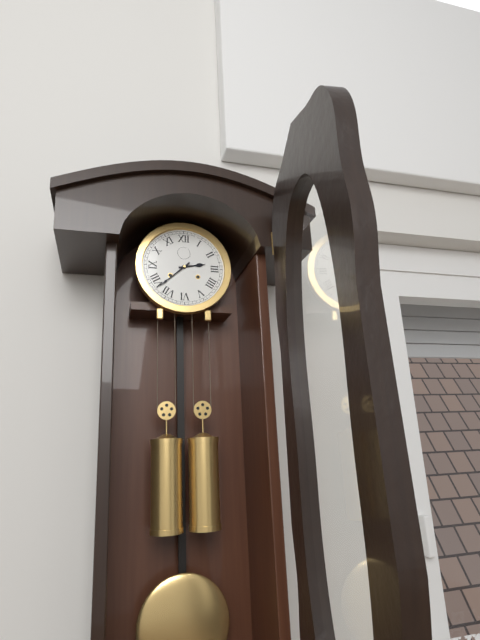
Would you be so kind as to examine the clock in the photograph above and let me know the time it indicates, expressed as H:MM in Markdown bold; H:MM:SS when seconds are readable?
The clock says **2:38**
